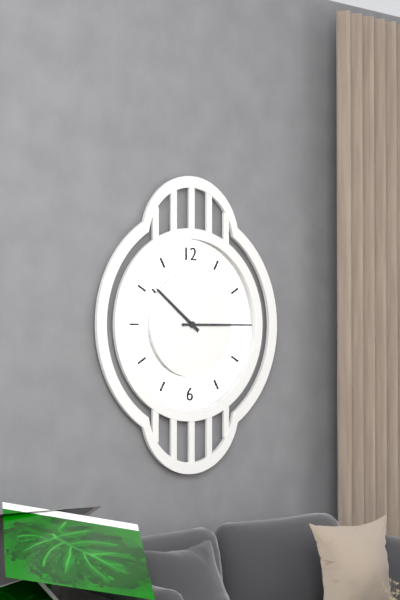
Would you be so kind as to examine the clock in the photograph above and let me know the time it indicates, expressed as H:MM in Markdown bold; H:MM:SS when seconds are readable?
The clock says **10:15**
